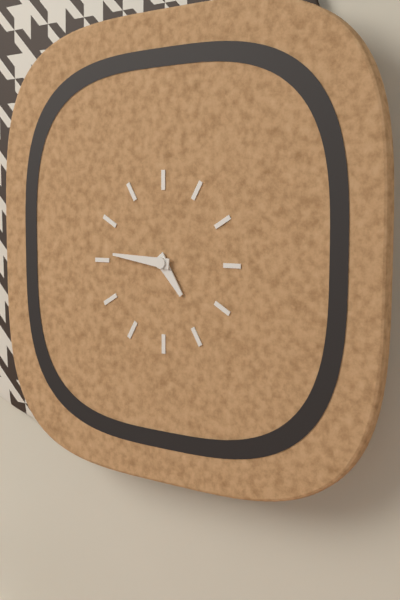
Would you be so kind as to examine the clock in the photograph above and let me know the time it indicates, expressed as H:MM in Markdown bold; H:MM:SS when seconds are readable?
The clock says **4:46**
